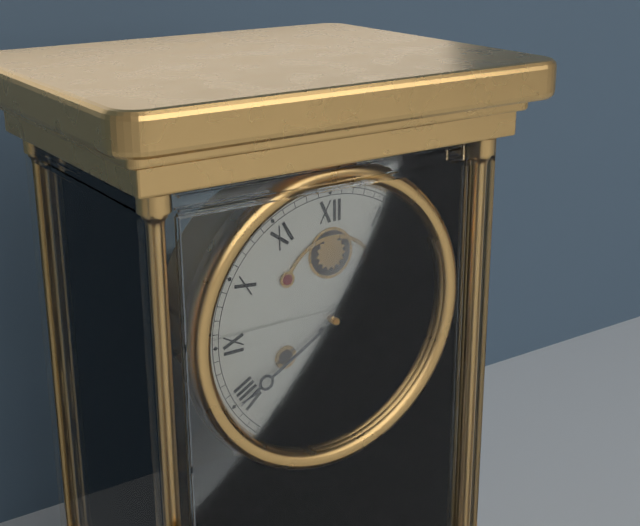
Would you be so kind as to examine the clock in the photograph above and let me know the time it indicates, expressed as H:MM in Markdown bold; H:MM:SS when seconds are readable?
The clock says **1:40**
